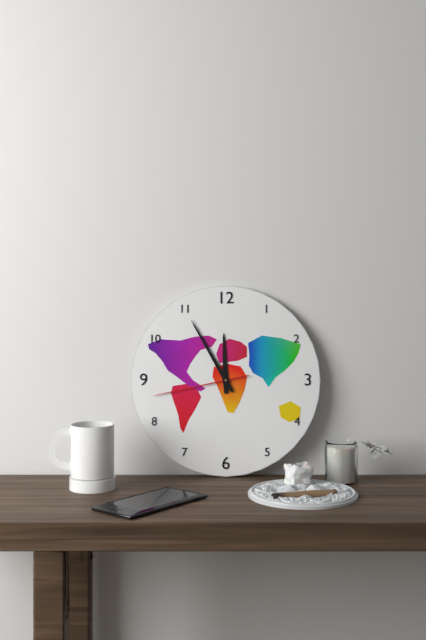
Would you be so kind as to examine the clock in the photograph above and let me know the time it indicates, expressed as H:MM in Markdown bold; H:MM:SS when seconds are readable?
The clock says **11:55:43**
